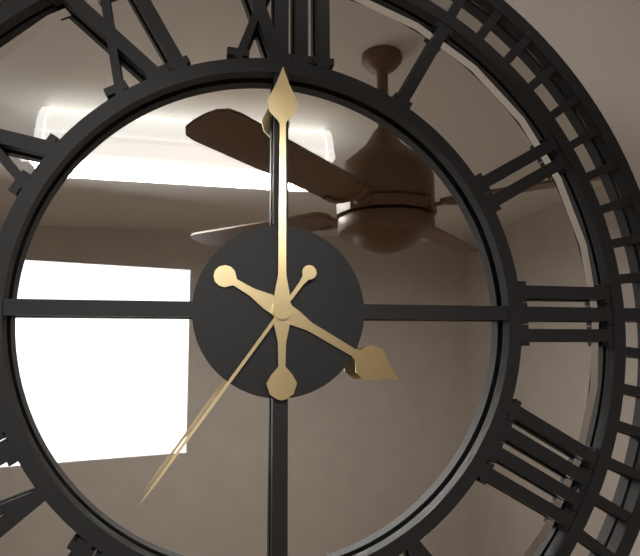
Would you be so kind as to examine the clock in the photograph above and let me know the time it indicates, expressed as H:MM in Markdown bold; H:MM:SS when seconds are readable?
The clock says **4:00:36**
